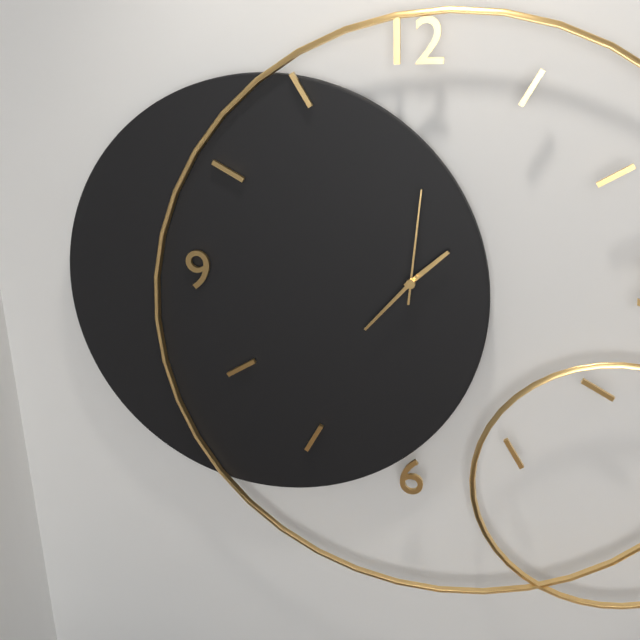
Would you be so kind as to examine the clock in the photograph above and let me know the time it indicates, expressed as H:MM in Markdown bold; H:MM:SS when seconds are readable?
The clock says **1:37:01**
